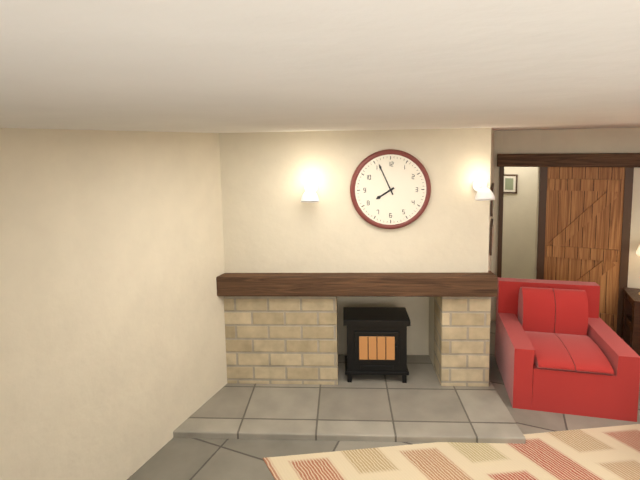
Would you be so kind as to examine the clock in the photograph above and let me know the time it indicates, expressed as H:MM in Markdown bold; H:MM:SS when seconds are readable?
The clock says **7:56**
